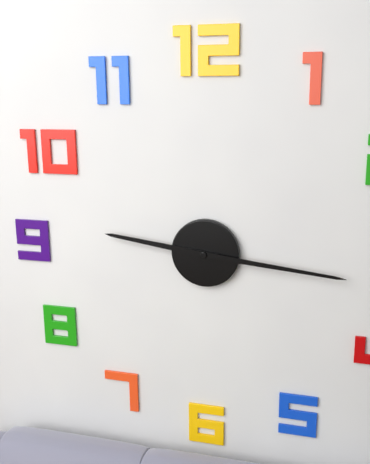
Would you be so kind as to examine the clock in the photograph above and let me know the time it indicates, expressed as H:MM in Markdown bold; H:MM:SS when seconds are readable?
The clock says **9:16**
